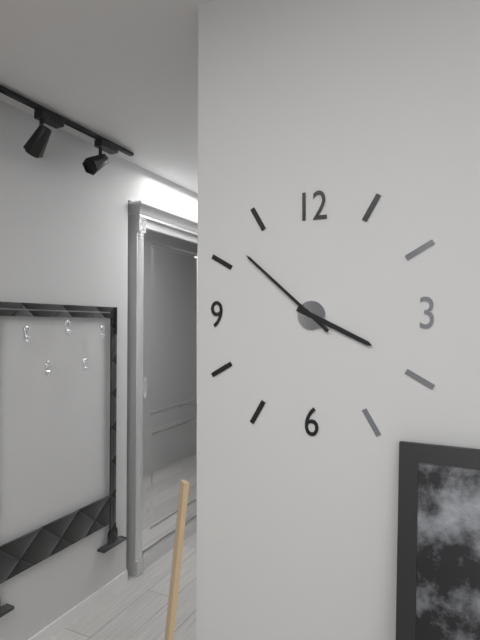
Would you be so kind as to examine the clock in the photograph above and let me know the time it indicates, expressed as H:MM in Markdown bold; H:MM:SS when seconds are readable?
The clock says **3:52**
